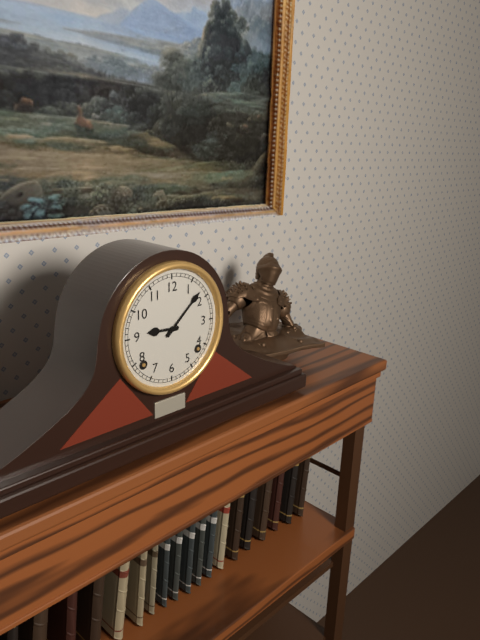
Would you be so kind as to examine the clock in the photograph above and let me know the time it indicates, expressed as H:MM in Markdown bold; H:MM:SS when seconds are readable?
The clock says **9:08**
